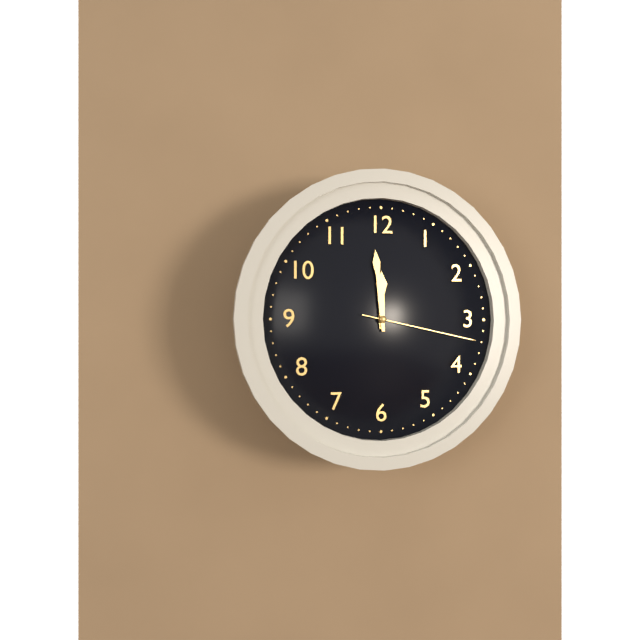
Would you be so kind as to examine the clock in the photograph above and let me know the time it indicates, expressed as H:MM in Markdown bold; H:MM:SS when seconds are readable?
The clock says **11:59:17**
